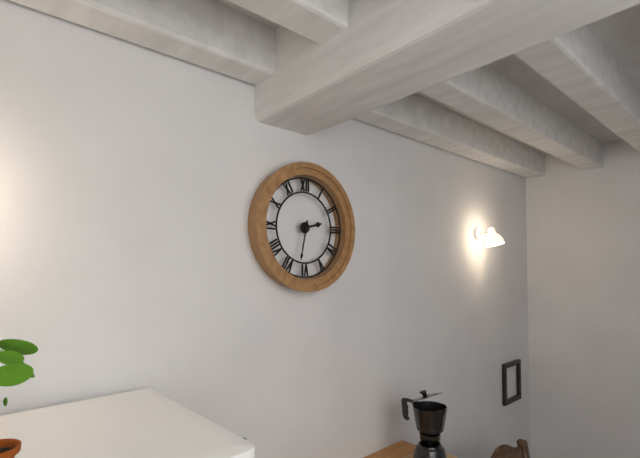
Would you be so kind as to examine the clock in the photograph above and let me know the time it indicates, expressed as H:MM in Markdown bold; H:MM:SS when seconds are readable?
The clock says **2:32**
